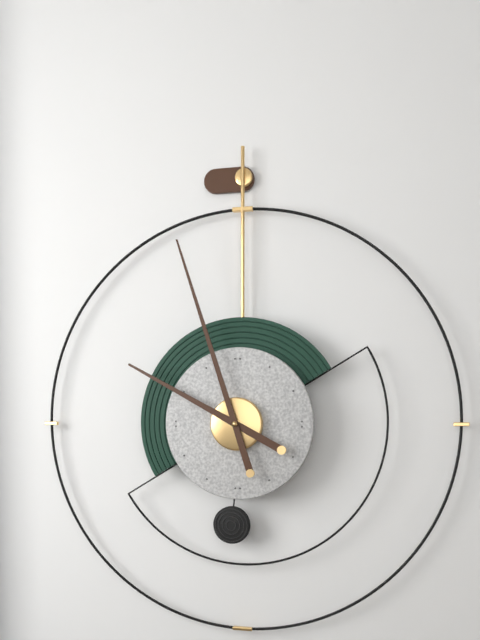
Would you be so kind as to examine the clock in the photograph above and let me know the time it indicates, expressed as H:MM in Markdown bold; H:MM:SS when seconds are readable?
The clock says **9:57**
